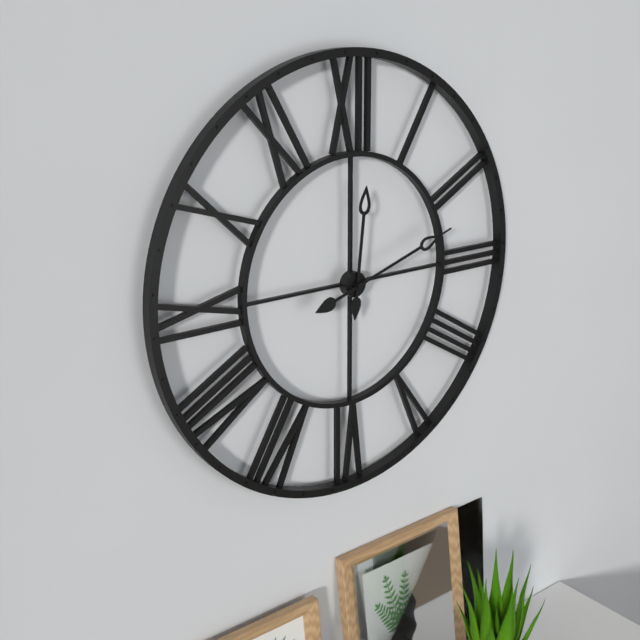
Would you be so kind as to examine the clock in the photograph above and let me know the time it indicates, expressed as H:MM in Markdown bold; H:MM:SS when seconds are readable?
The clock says **12:12**
